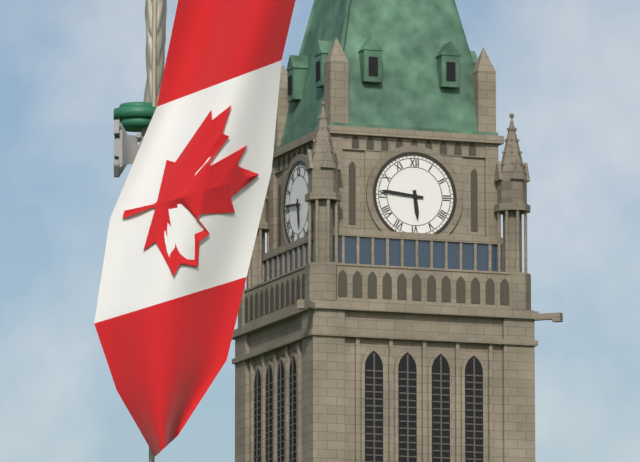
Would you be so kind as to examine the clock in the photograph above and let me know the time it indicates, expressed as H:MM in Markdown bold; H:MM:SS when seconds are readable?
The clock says **5:46**
